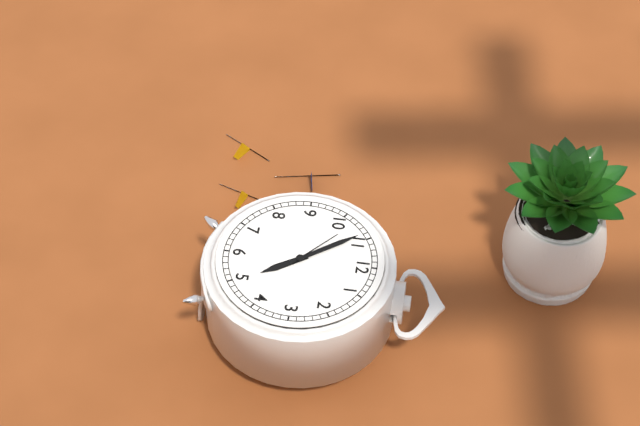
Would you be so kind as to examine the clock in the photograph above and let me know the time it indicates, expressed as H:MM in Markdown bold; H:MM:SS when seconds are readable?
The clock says **4:54:52**
